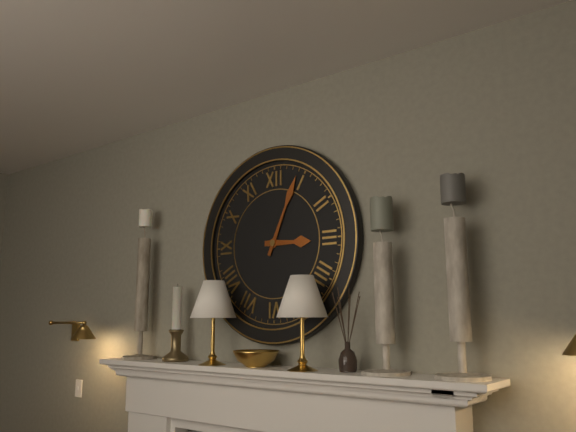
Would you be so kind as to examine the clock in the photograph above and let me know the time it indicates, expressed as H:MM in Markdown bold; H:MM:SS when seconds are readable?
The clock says **3:04**
